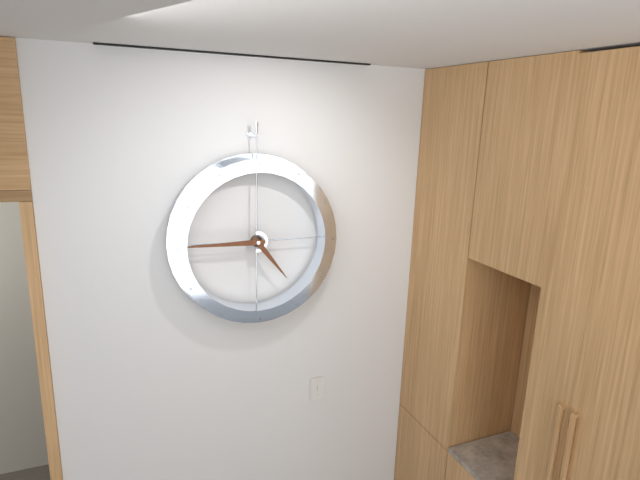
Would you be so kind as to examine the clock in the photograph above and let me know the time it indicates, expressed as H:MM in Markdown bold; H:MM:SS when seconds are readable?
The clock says **4:45**
